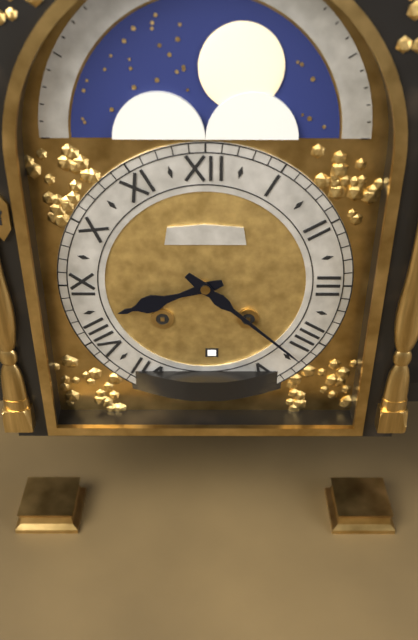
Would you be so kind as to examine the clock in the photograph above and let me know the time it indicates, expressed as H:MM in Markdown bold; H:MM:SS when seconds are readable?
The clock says **8:22**
